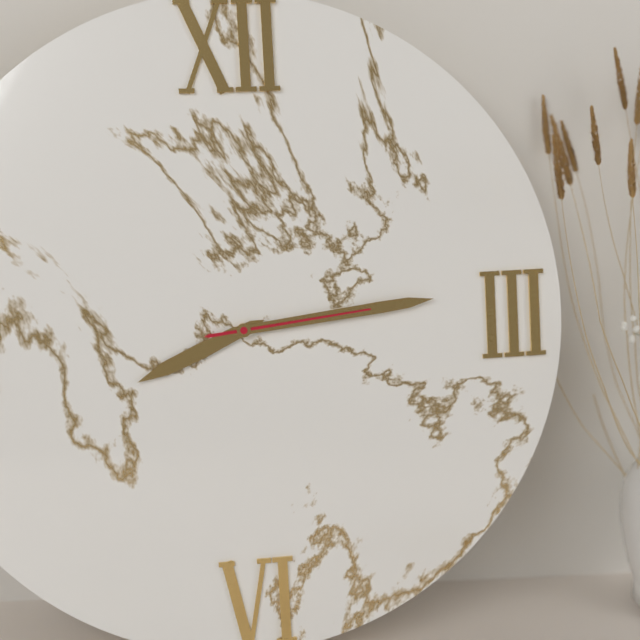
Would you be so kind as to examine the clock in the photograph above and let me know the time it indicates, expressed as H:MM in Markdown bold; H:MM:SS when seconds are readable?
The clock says **8:14:14**
